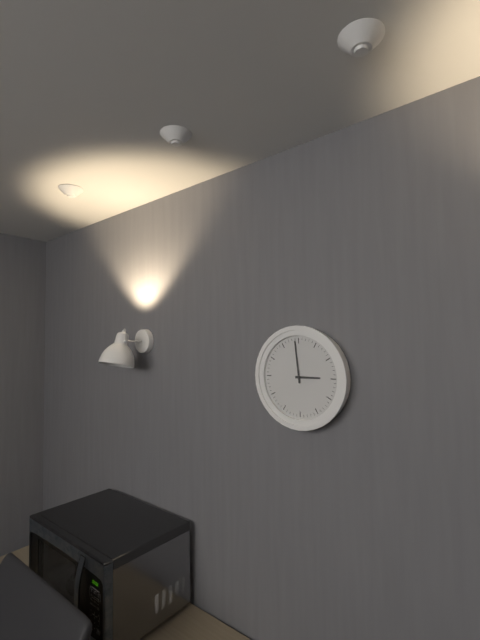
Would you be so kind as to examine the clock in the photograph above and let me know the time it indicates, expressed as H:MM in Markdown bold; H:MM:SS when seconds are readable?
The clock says **2:59**
